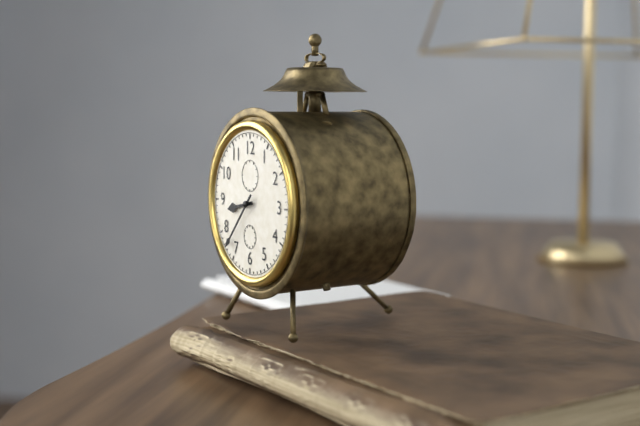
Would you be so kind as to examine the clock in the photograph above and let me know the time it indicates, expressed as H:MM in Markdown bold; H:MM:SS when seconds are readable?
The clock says **8:37**
